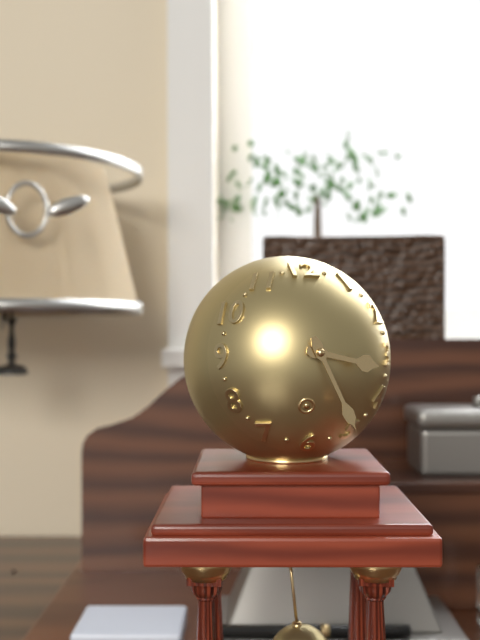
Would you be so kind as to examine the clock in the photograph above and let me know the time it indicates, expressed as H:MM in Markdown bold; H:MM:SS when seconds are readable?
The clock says **3:26**
